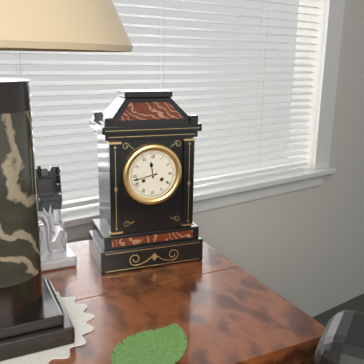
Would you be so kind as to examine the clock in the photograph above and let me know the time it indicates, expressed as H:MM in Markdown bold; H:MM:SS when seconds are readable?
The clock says **11:43**
